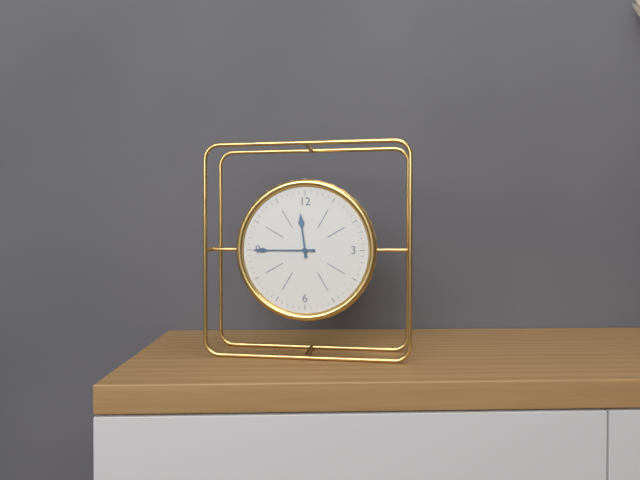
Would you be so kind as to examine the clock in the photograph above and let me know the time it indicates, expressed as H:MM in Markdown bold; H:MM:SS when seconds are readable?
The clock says **11:45**
